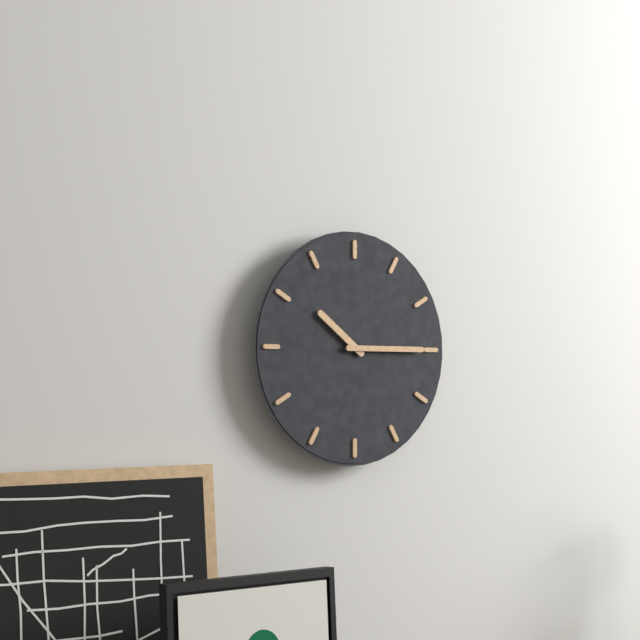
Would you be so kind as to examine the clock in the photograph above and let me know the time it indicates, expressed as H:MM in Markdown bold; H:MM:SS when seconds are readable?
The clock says **10:15**
